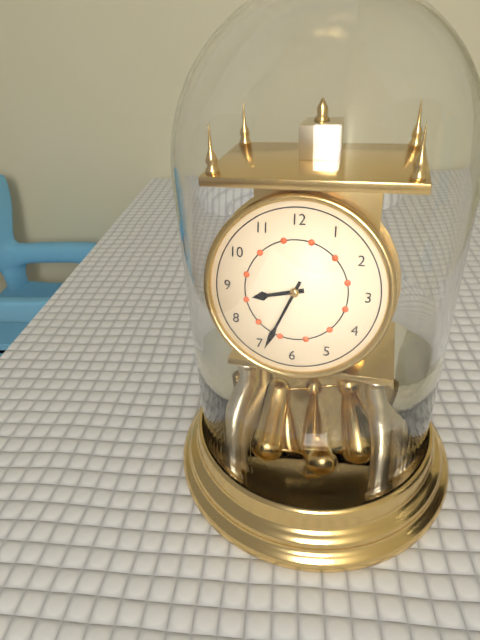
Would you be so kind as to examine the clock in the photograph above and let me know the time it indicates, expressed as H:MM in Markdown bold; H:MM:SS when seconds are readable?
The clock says **8:34**
